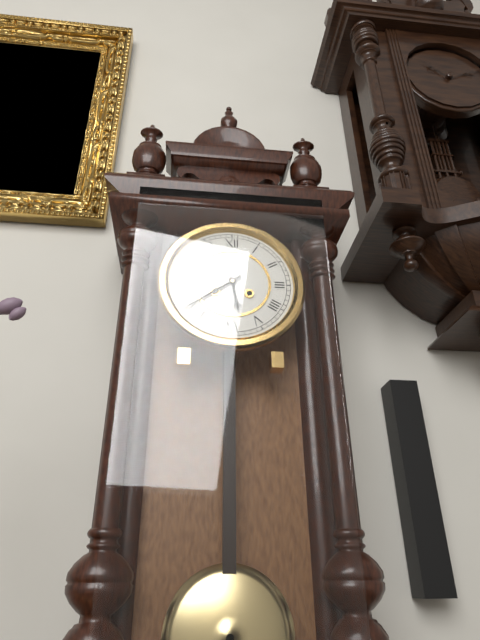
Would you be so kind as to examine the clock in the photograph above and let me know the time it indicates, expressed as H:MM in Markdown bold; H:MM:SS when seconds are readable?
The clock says **5:39**
